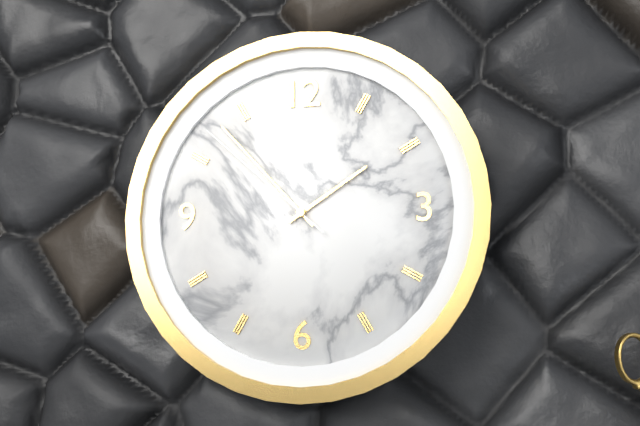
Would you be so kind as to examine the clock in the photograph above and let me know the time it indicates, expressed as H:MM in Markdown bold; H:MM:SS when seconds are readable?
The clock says **1:53:52**
